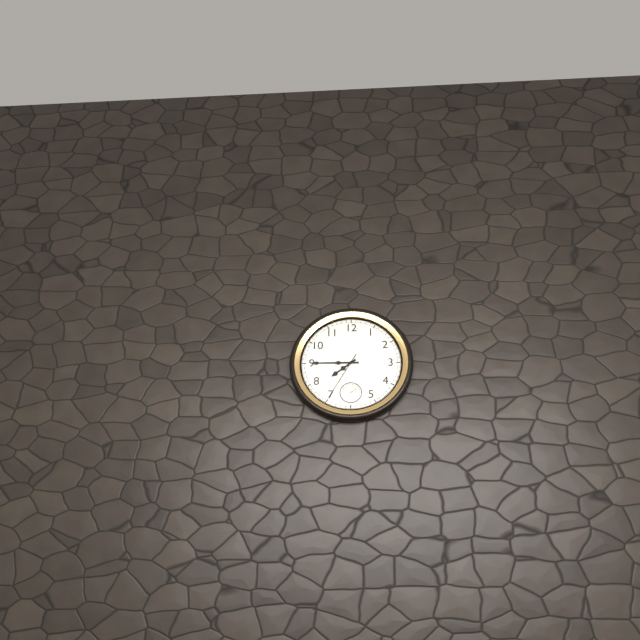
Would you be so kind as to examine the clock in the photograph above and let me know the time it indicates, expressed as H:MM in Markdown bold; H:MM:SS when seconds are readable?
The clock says **7:45:35**
